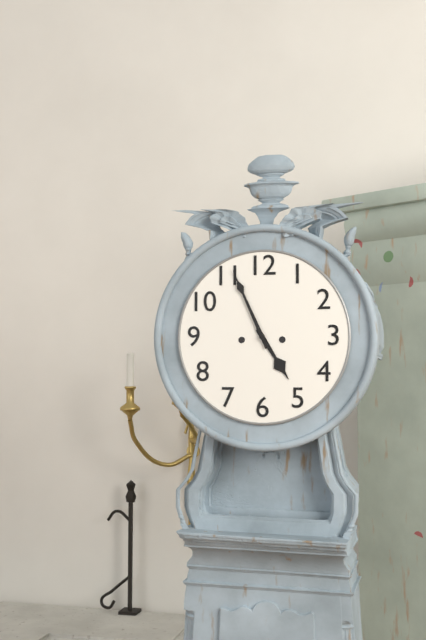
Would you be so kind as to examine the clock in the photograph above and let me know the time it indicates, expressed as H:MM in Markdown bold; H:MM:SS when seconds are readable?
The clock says **4:56**
